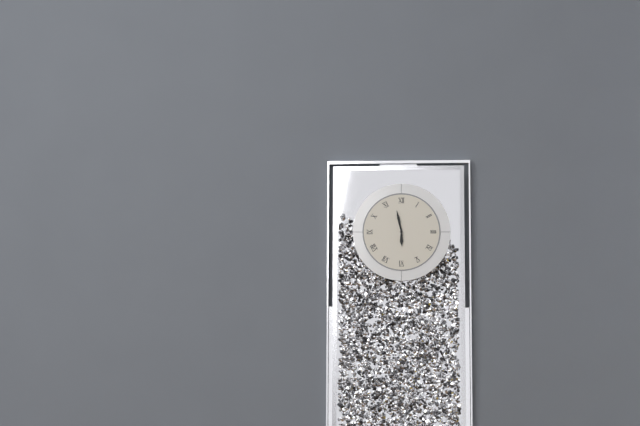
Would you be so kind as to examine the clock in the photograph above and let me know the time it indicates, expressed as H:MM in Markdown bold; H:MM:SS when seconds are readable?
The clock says **5:58**
